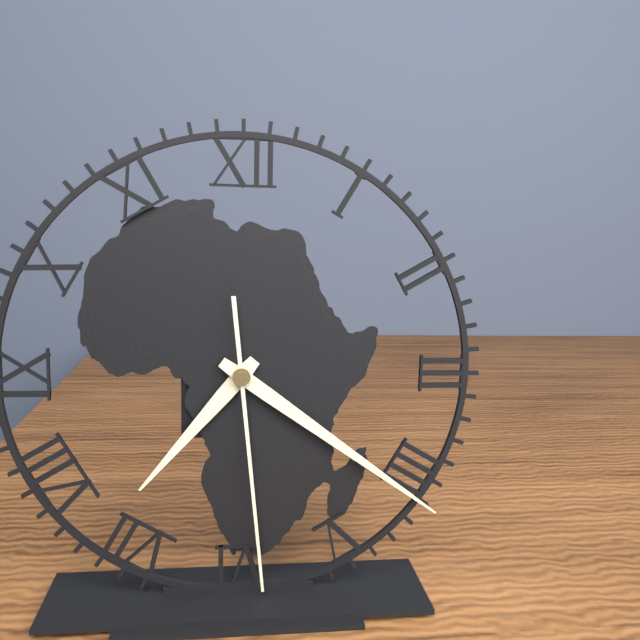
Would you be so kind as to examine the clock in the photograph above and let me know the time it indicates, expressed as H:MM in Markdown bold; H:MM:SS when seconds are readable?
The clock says **7:21:29**
